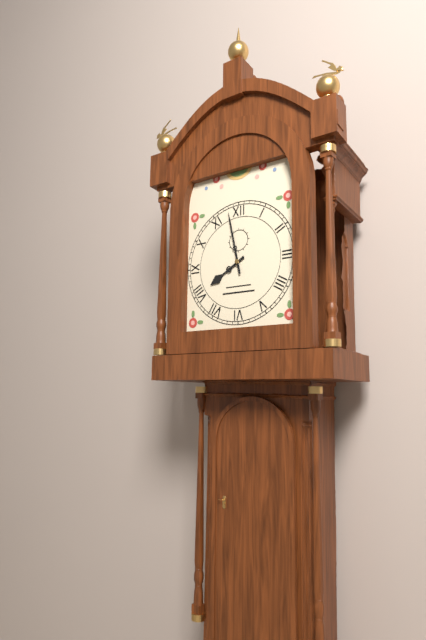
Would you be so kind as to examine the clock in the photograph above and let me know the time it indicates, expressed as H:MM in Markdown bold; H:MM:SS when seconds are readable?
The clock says **7:58**
